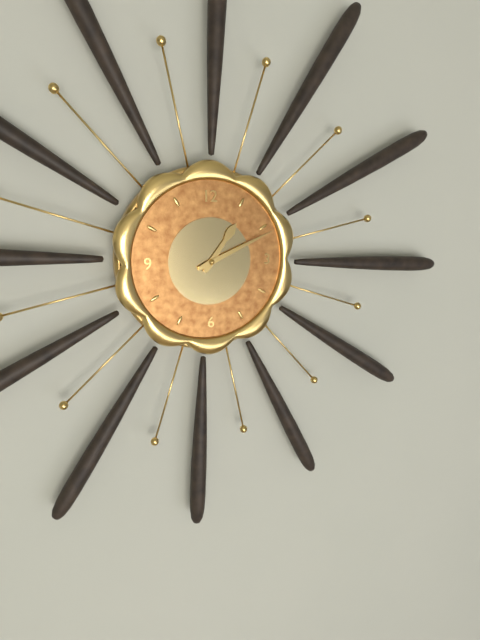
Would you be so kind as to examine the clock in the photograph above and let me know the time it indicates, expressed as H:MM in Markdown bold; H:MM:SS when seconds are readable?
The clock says **1:11**
